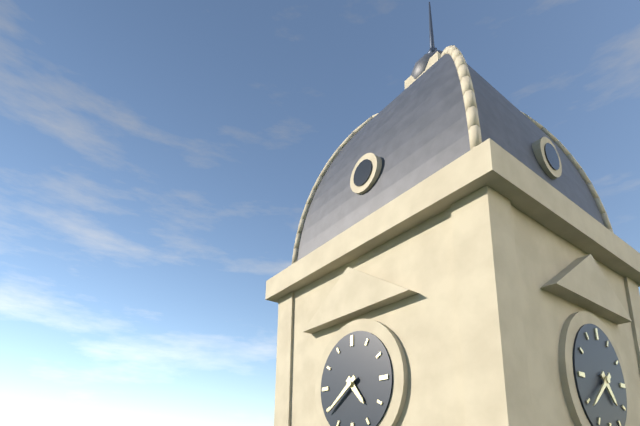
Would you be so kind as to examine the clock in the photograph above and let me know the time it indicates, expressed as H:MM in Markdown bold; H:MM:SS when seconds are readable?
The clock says **4:39**
